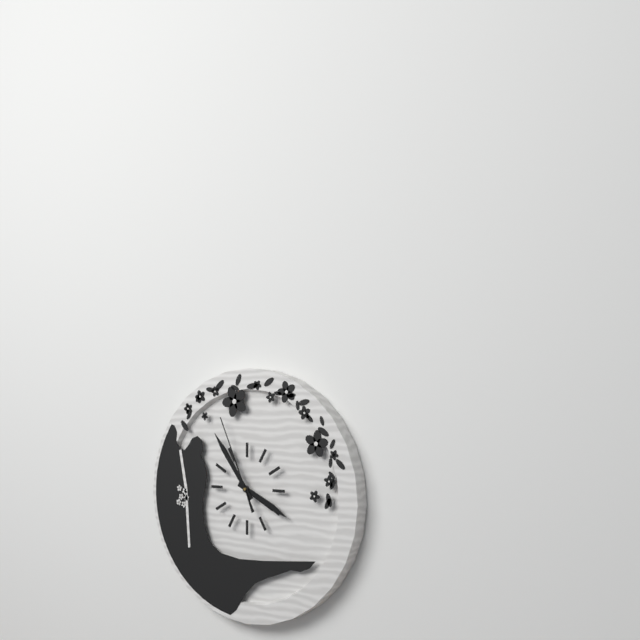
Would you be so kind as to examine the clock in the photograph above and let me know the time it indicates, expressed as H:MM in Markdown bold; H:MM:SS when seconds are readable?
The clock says **3:54:56**
